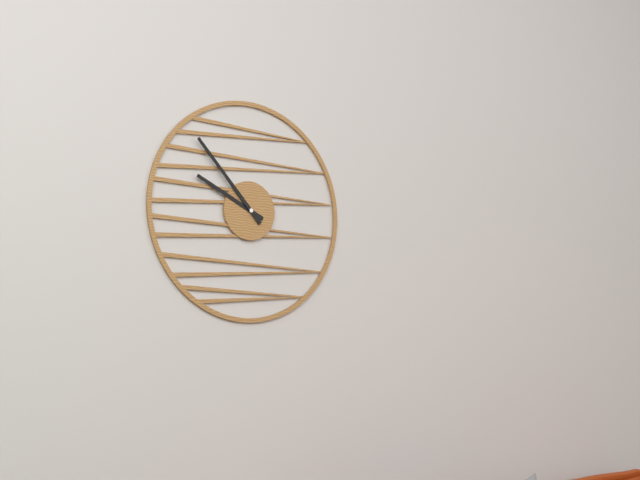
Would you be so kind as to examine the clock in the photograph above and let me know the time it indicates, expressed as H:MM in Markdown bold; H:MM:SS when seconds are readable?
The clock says **9:53**
